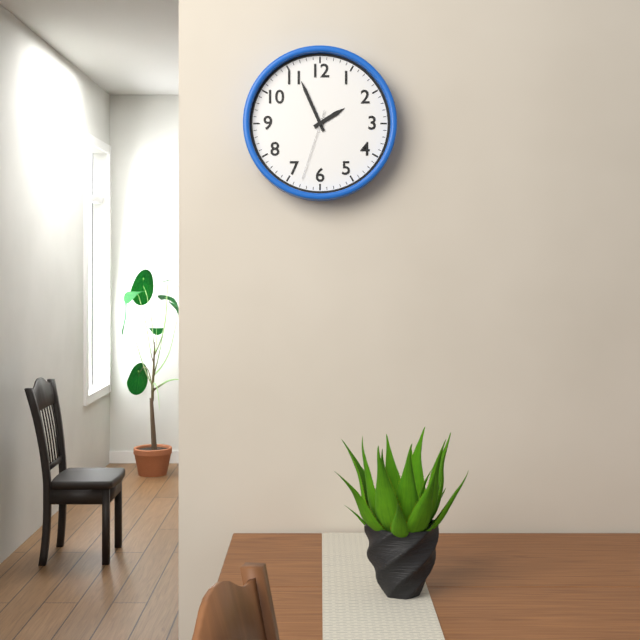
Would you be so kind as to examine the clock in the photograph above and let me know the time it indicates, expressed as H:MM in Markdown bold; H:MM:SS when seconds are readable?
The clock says **1:56:33**
